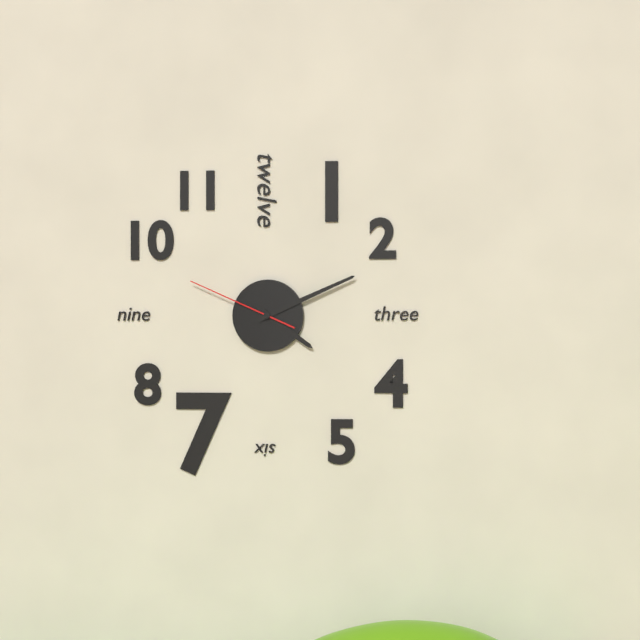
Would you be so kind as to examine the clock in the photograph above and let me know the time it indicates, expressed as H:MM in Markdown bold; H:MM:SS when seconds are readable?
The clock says **4:11:49**
